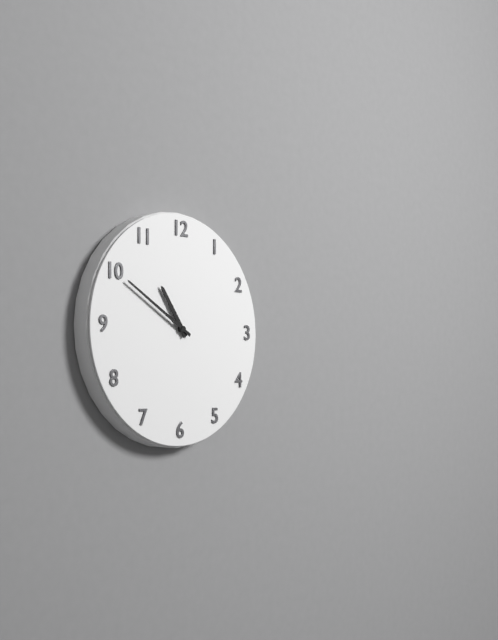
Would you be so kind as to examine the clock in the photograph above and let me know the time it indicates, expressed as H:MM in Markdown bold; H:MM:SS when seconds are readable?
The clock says **10:50**
